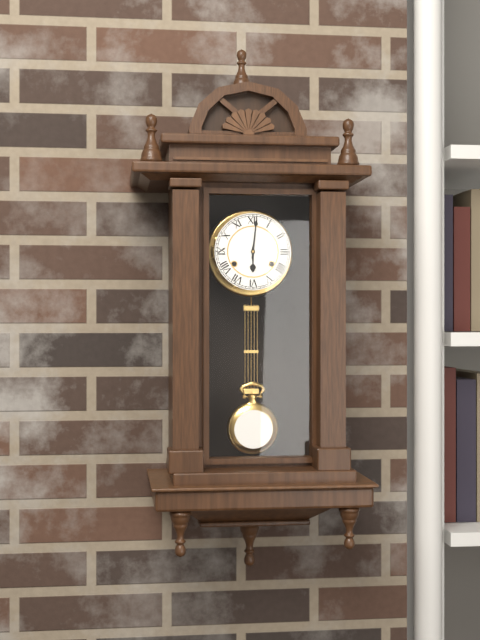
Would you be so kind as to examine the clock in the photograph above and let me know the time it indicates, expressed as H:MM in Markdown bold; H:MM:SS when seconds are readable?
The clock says **6:01**
